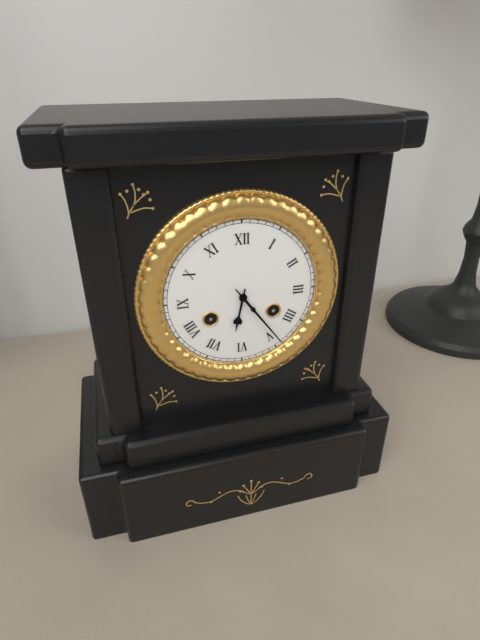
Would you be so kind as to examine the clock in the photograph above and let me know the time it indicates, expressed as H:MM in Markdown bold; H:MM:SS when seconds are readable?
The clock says **6:24**
